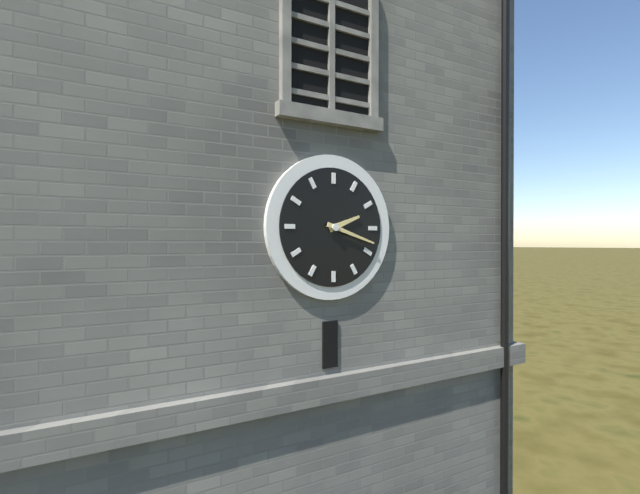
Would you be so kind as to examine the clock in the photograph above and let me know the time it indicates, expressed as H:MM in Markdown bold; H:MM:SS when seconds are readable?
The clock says **2:18**
